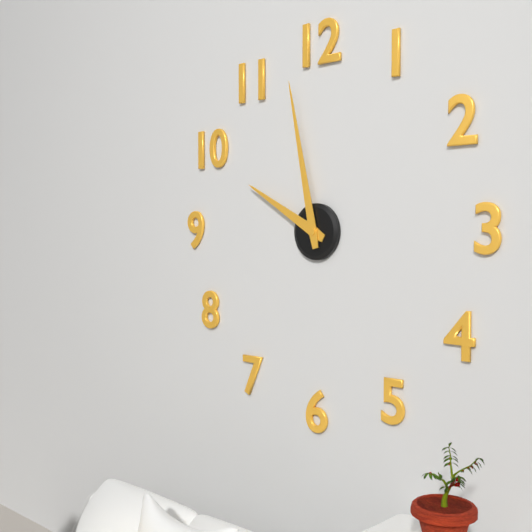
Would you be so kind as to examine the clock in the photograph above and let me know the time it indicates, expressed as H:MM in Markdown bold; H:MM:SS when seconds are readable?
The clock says **9:58**
